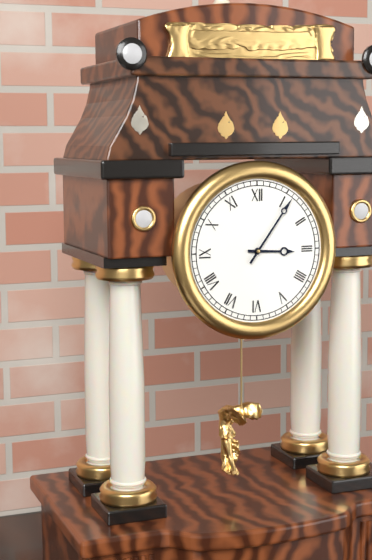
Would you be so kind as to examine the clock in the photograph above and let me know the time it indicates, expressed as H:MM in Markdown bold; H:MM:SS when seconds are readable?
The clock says **3:06**
